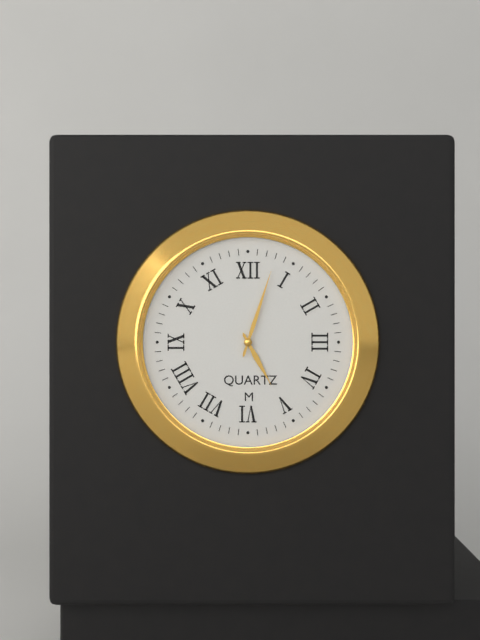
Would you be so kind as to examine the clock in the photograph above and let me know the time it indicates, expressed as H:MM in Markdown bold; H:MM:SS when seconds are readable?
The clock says **5:03**
